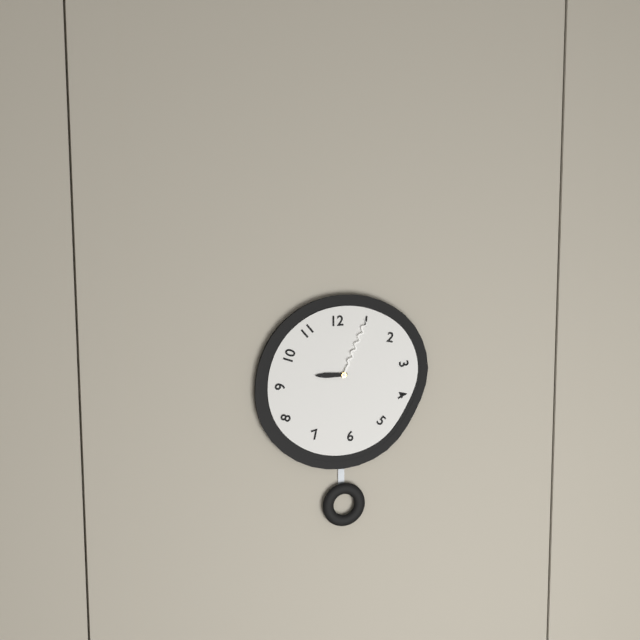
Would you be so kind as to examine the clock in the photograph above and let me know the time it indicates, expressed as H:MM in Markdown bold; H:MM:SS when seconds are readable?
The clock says **9:04**
